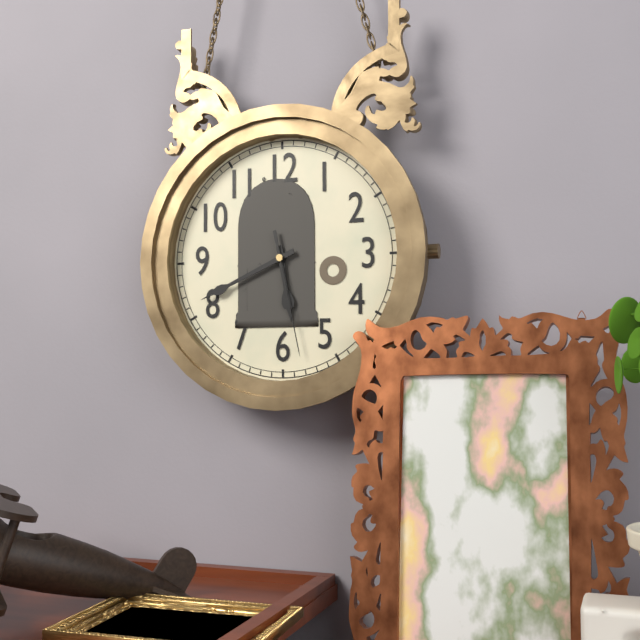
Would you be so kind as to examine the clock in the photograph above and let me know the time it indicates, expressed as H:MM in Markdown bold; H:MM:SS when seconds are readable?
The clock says **5:41:28**
